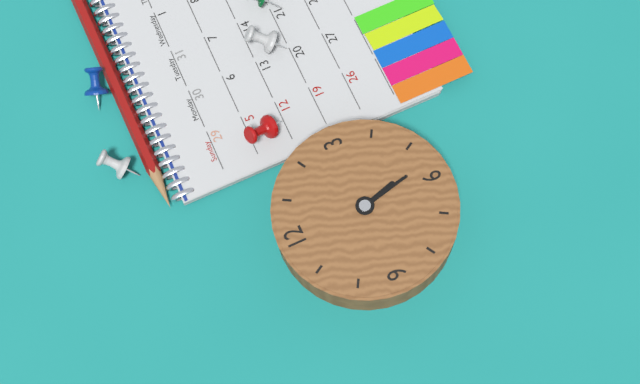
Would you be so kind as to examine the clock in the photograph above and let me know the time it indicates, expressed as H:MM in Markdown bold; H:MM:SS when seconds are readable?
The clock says **5:28**
